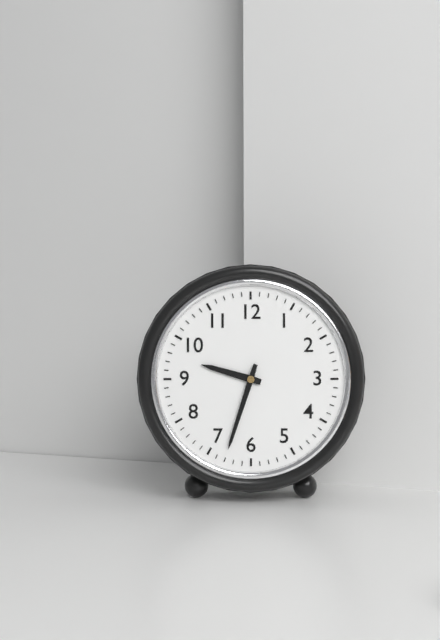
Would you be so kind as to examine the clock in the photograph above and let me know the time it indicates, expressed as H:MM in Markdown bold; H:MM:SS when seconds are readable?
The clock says **9:33**
